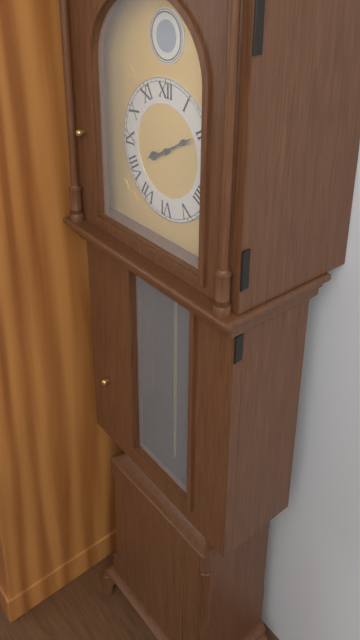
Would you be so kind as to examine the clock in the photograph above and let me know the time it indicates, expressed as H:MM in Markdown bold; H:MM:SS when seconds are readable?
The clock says **8:10**
